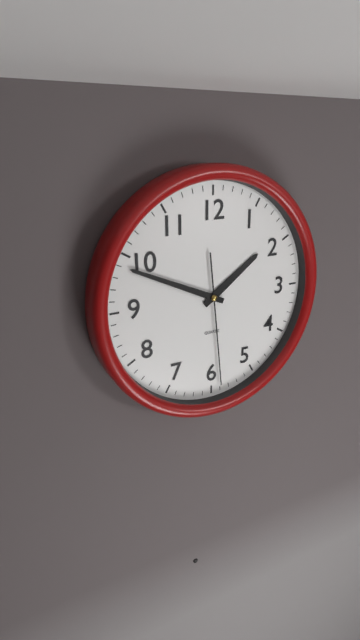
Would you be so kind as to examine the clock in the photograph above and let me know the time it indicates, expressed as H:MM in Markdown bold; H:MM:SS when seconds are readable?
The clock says **1:49:29**
